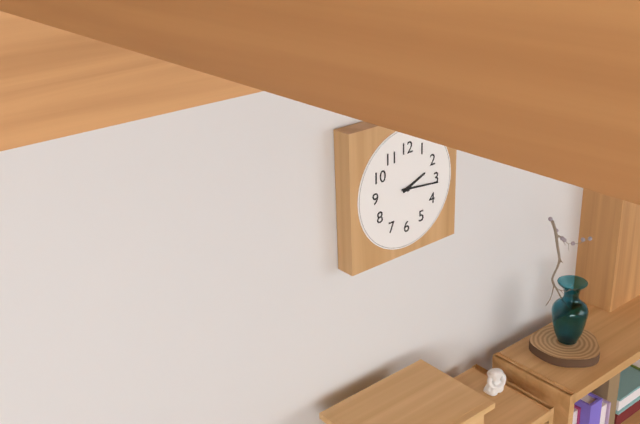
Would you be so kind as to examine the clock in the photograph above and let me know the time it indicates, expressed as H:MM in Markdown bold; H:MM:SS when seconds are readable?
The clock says **2:16**
